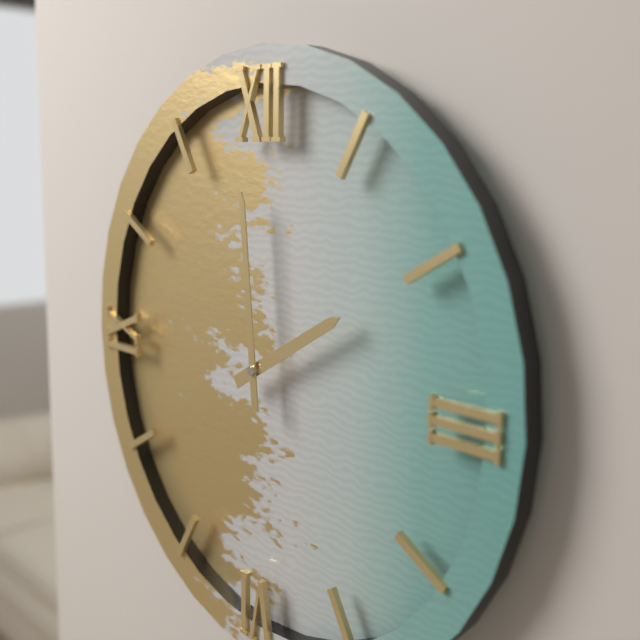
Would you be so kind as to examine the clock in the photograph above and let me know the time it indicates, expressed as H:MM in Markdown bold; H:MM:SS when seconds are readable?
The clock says **1:59**
